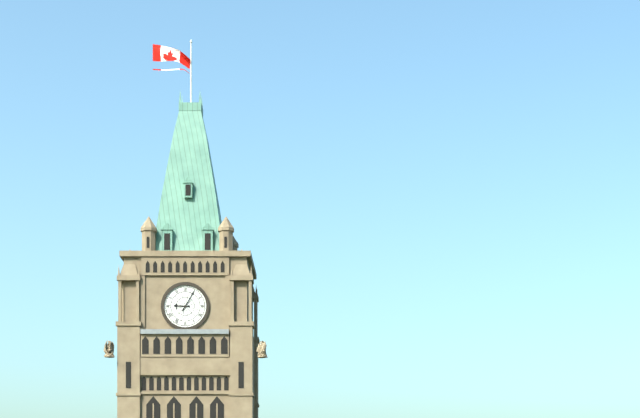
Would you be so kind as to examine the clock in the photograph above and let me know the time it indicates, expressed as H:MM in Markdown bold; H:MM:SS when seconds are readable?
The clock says **9:05**
